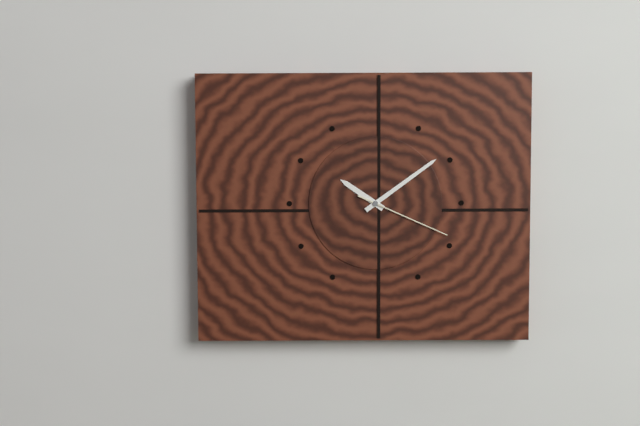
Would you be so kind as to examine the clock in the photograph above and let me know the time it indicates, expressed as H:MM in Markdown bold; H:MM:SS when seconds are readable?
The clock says **10:09:19**
